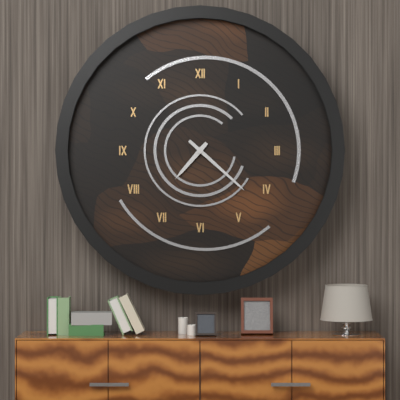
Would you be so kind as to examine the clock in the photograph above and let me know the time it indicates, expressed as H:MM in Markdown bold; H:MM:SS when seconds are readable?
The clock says **7:22**
